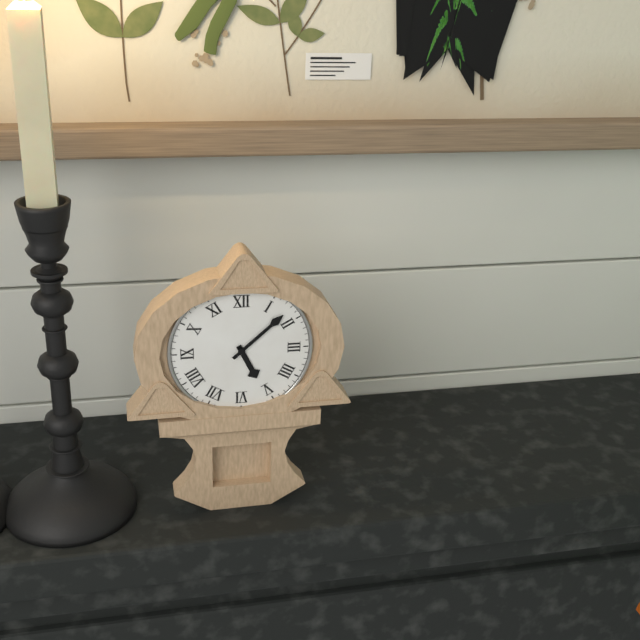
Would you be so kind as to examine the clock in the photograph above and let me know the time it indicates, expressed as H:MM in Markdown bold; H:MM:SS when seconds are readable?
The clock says **5:08**
